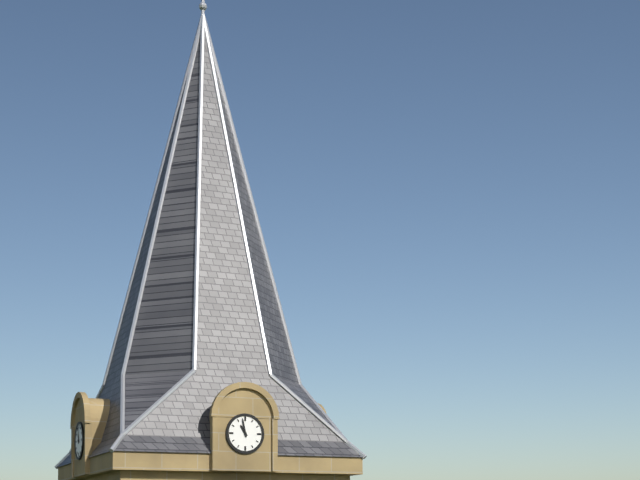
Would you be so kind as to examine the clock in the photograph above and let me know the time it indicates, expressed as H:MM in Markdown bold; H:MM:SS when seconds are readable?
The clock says **10:58**
